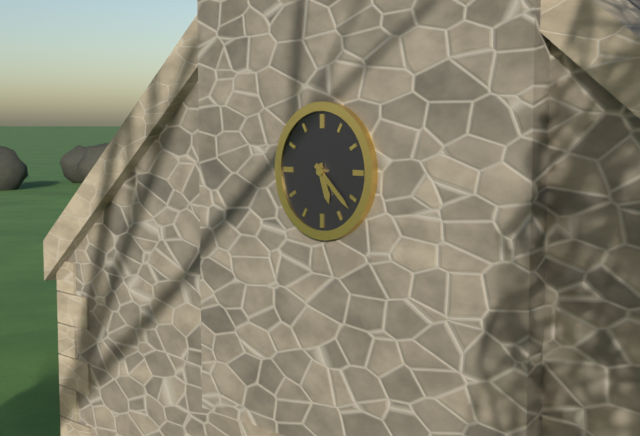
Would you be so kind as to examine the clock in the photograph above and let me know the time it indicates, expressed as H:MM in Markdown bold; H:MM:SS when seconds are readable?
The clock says **5:22**
